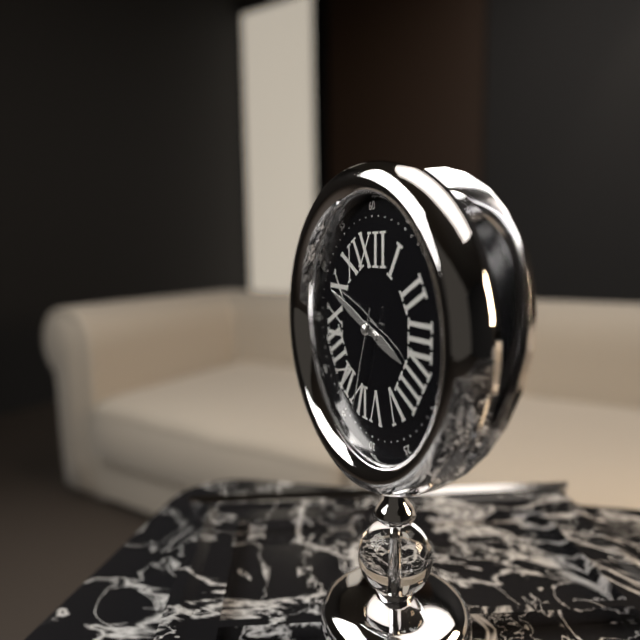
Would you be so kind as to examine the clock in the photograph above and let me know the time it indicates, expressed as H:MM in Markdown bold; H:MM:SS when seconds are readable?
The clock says **3:49:33**
